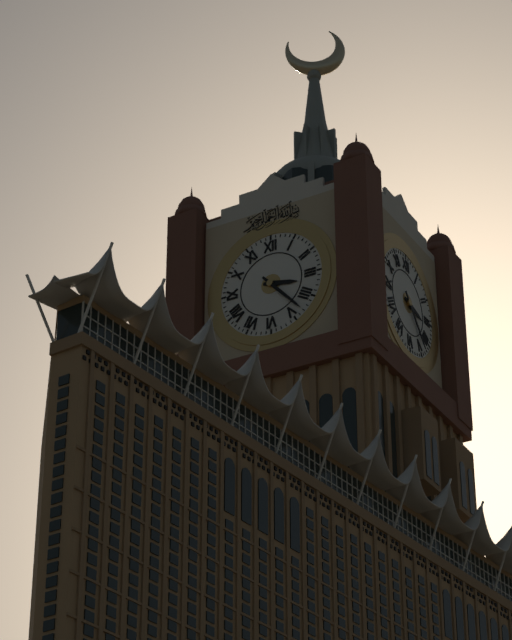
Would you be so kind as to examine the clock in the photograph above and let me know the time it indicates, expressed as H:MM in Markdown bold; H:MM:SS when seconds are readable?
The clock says **3:23**
